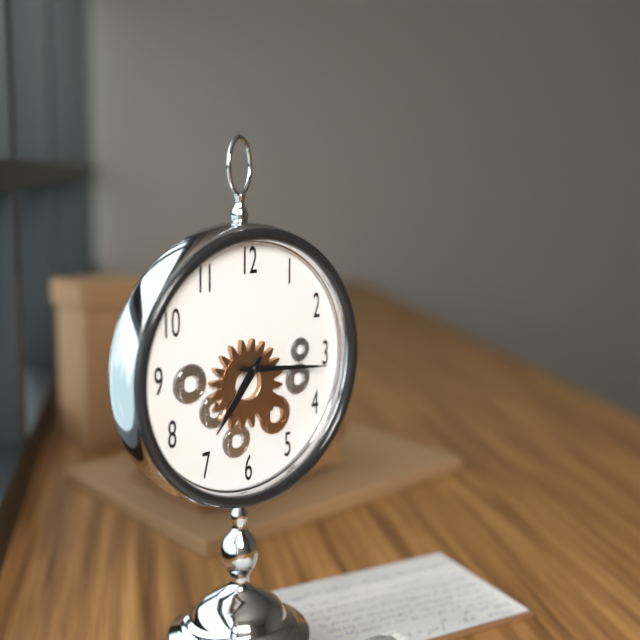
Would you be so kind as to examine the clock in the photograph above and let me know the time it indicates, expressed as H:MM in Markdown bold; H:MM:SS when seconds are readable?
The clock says **7:16**
